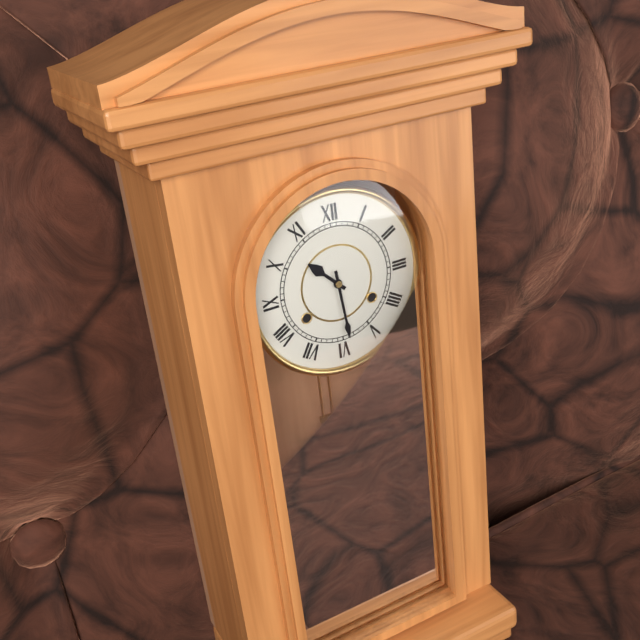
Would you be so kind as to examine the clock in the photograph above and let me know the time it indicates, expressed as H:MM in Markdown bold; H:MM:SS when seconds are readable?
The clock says **10:29**
